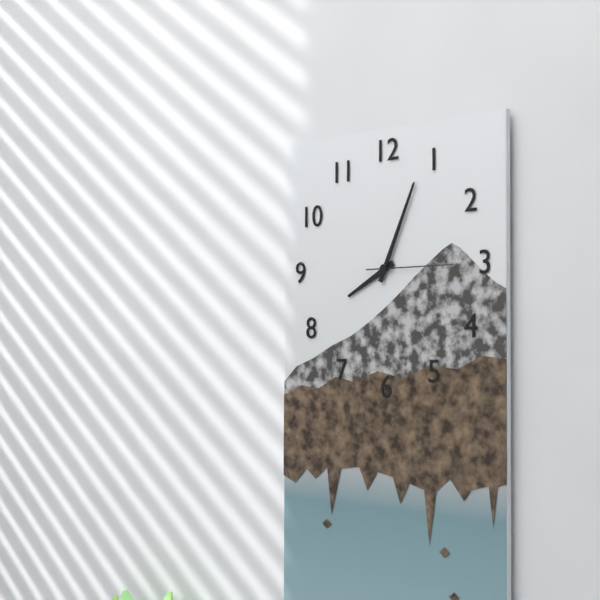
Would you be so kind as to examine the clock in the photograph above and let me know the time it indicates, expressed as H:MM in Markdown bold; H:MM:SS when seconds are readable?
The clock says **8:04:15**
